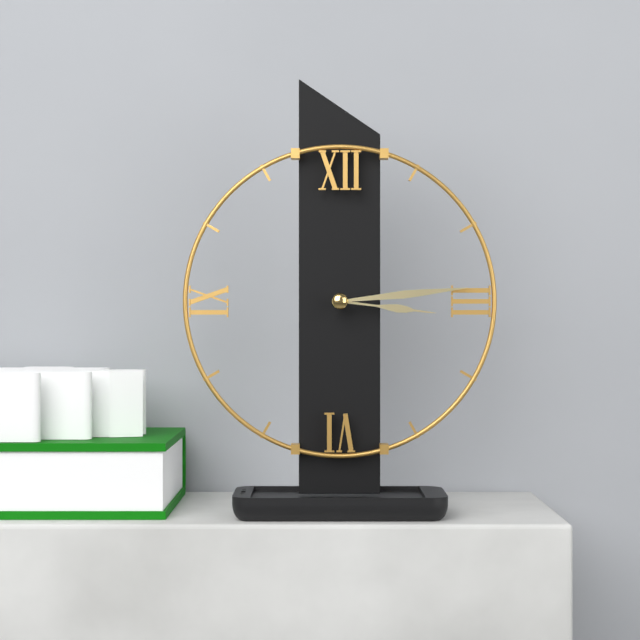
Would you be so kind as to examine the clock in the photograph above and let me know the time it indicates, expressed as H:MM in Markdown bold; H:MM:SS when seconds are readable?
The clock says **3:14**
